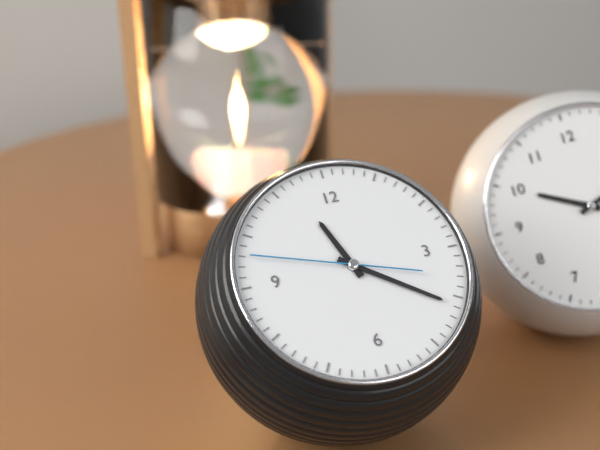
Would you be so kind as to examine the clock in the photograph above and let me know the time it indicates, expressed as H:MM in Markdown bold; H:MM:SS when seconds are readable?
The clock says **11:21:48**
